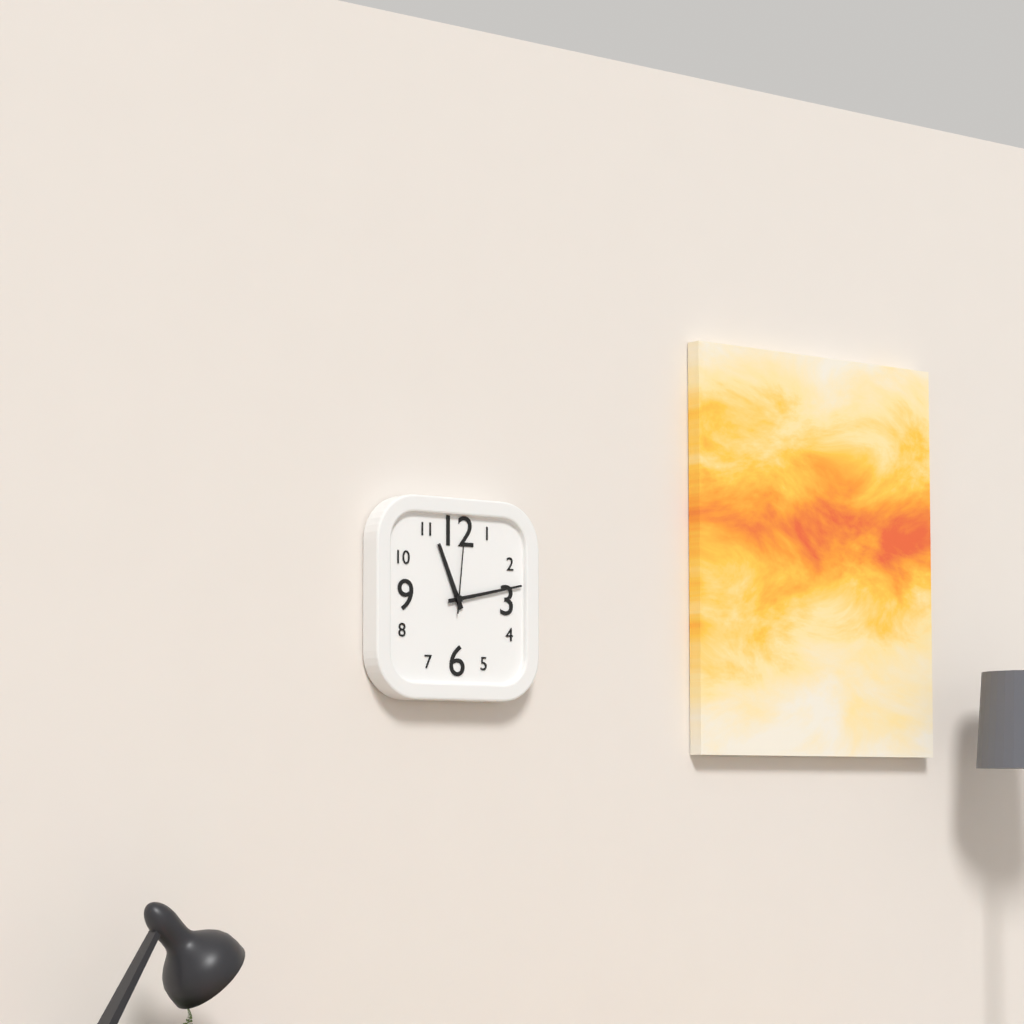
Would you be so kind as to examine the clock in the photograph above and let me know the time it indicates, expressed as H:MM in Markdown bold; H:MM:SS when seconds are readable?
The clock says **11:13:01**
